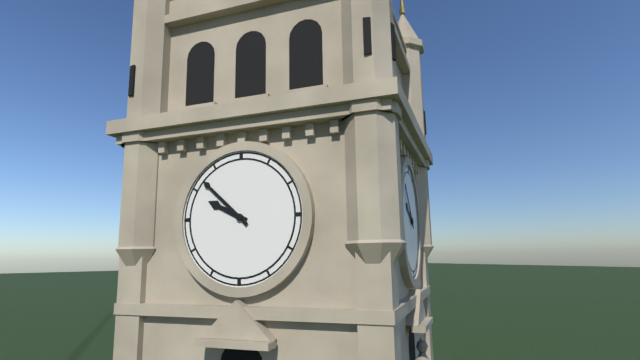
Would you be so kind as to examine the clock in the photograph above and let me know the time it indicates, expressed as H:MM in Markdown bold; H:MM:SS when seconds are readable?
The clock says **9:52**
